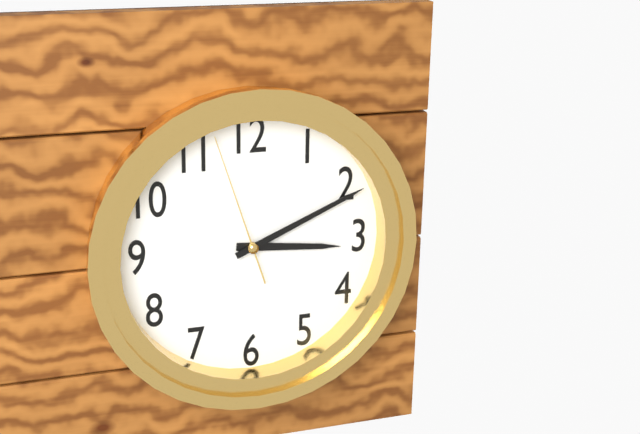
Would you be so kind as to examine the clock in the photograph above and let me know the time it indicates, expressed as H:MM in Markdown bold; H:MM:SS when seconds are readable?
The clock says **3:11:57**
